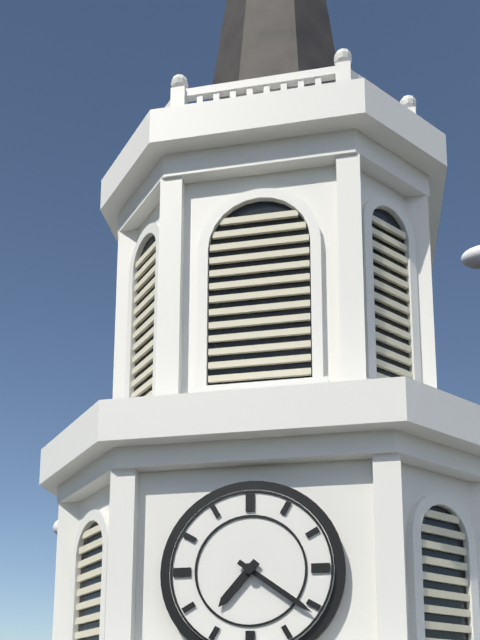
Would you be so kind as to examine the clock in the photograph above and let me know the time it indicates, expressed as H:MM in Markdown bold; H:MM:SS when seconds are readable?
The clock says **7:21**
